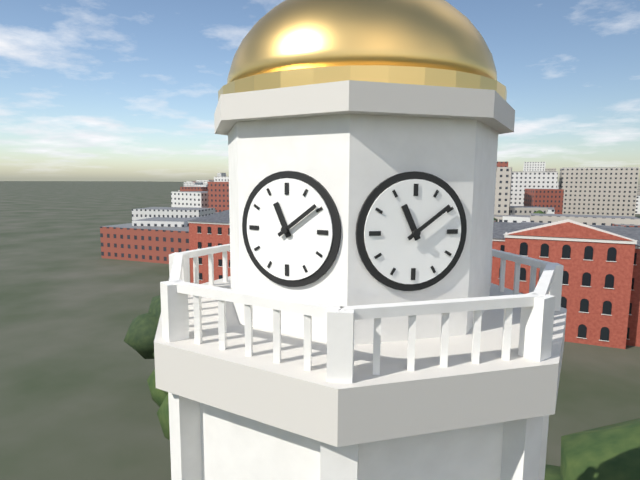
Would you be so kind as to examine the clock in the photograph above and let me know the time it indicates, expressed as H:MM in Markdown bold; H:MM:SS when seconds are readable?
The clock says **11:09**
